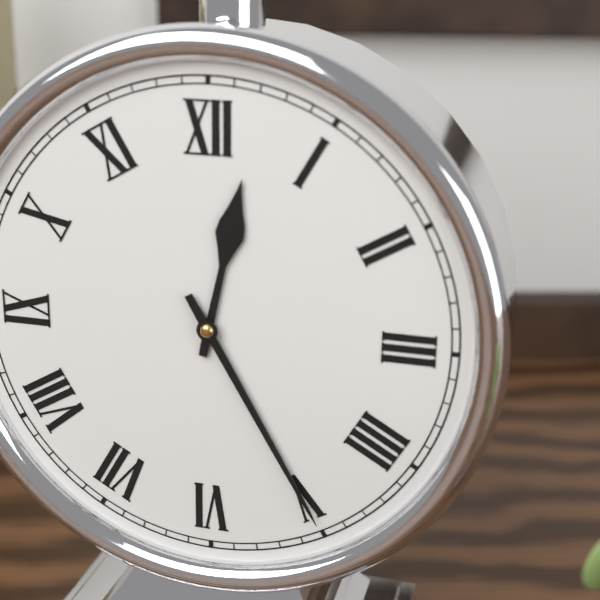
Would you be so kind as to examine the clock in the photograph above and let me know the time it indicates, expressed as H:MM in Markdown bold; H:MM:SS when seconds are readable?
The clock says **12:25**
